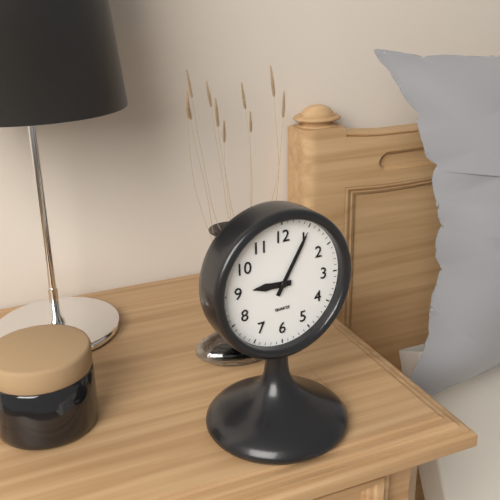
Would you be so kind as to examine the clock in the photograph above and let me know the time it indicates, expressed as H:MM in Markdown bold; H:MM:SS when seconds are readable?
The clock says **9:05**
